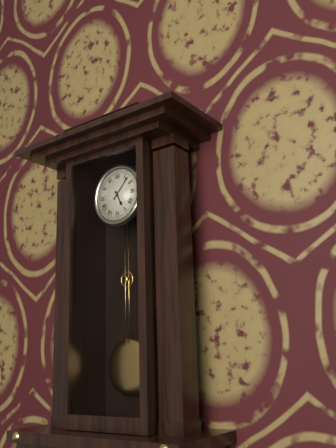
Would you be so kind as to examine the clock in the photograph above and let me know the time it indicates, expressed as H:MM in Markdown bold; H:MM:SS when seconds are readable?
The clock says **5:07**
